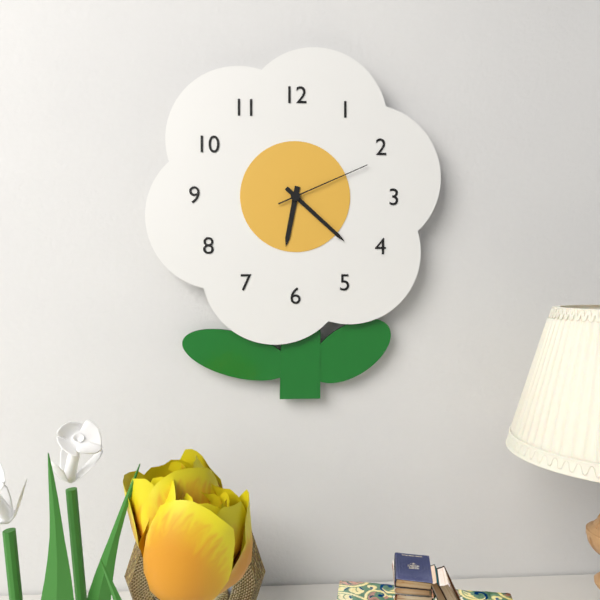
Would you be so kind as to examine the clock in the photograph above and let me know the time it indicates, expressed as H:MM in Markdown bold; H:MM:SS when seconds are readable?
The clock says **6:22:11**
